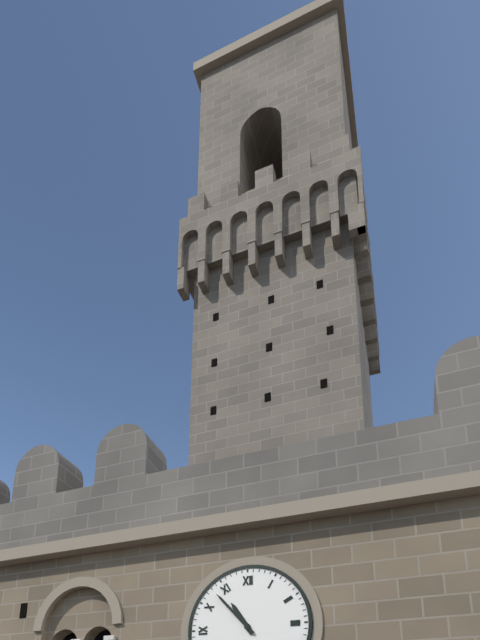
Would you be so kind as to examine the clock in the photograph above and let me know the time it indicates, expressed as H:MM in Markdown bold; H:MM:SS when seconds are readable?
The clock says **10:53**
